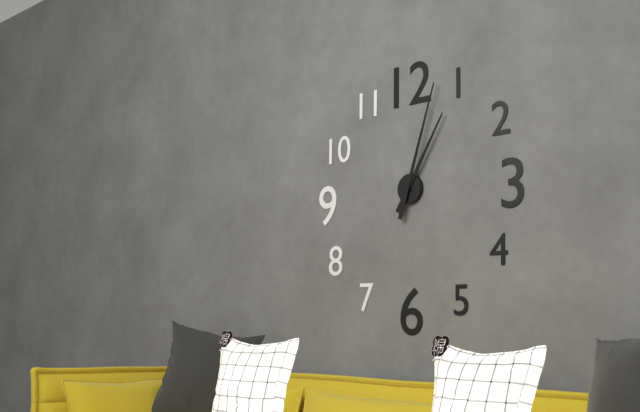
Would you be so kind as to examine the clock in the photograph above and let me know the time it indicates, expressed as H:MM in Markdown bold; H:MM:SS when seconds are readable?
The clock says **1:03**
